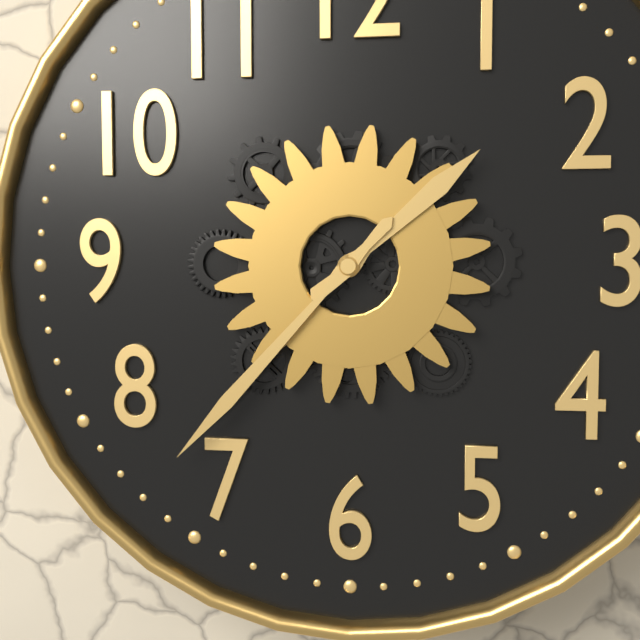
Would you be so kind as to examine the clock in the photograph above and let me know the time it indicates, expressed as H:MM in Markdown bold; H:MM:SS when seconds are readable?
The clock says **1:37**
